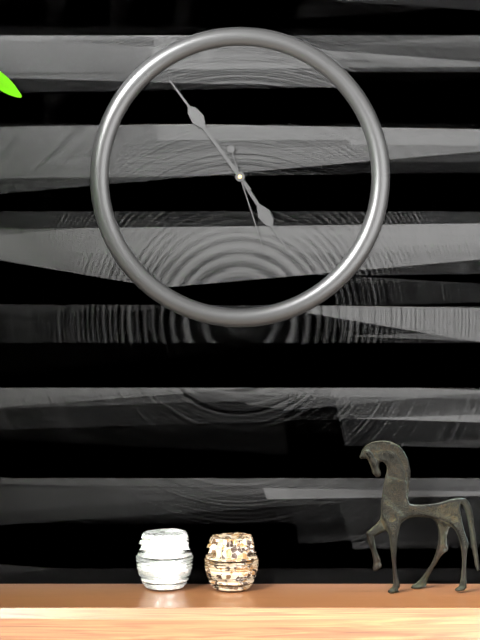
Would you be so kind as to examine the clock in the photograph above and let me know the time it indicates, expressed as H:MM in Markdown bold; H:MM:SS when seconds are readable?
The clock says **4:54:27**
